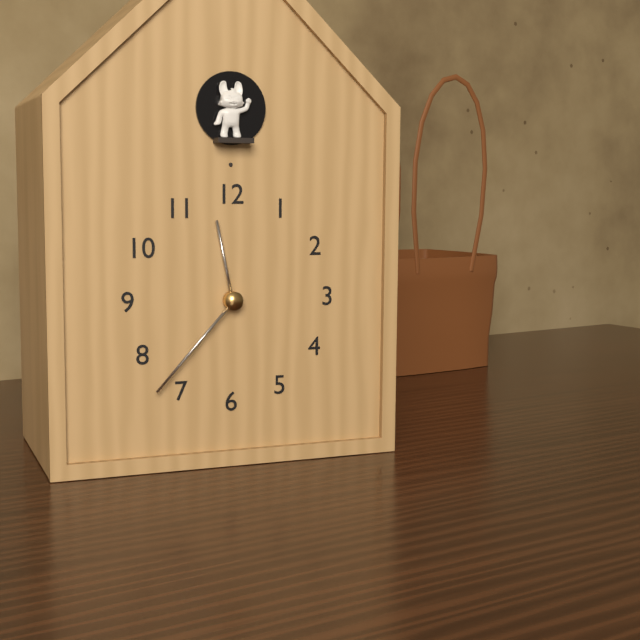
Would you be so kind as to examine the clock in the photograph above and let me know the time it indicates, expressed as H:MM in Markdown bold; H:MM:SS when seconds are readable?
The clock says **11:37**
